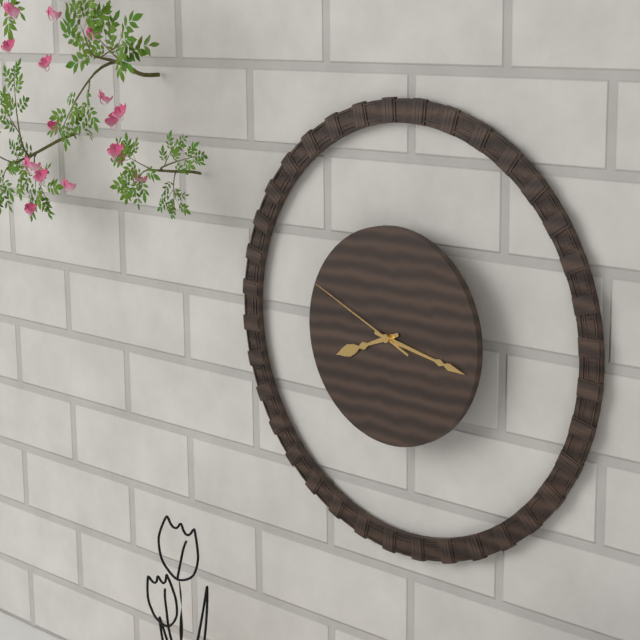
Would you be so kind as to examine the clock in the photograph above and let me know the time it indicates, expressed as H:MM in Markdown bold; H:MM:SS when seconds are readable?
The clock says **8:17:49**
